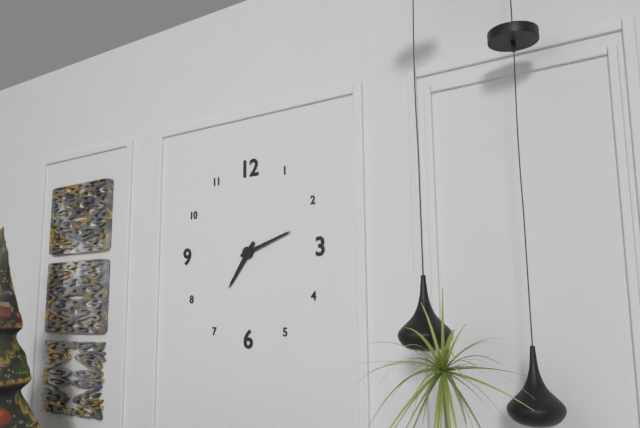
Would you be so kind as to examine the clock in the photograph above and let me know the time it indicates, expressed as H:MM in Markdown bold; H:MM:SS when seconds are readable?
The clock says **7:12**
